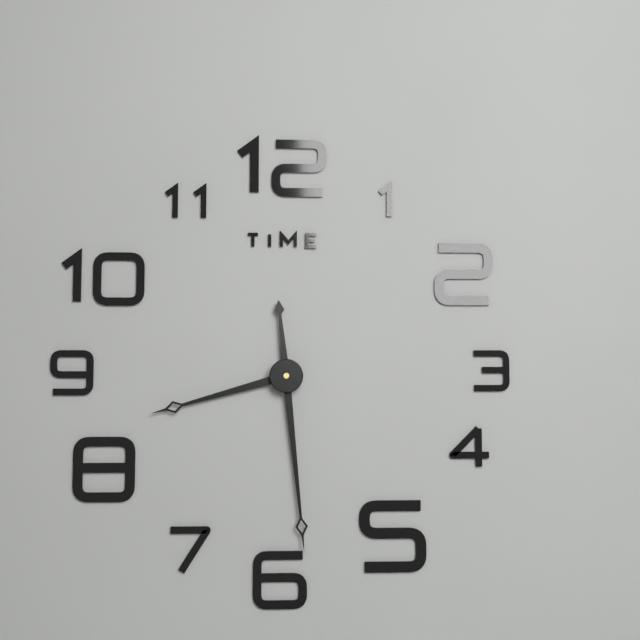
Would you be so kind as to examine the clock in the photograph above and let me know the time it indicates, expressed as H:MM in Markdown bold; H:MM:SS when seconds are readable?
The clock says **8:29**
